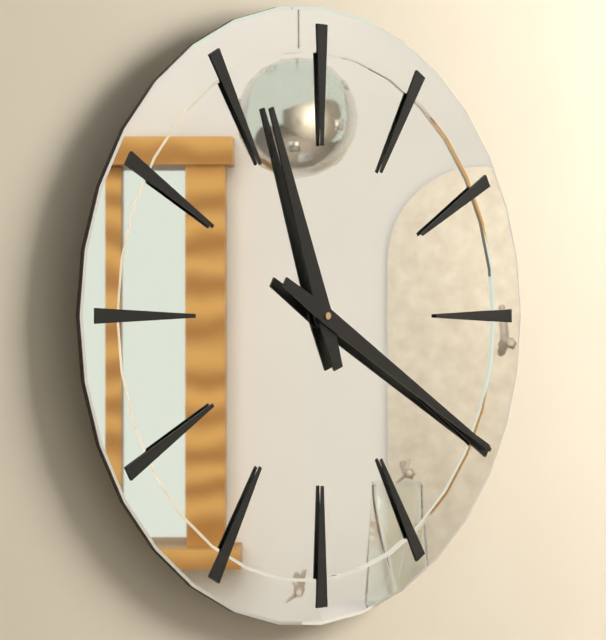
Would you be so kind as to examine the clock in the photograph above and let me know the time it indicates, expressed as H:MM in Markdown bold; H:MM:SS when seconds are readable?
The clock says **11:20**
